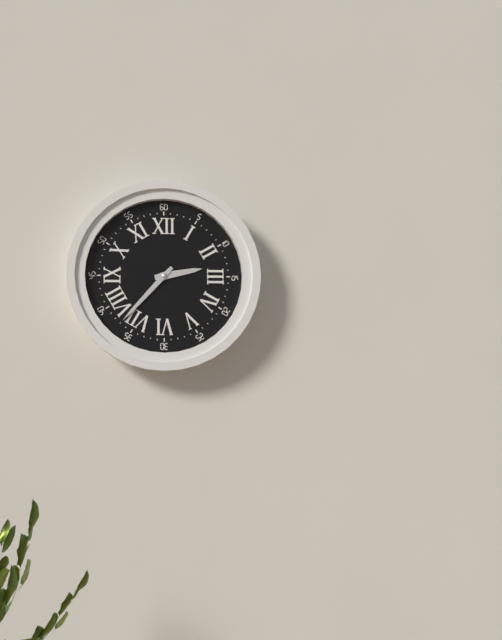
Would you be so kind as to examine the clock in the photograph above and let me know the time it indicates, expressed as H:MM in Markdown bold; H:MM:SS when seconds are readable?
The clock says **2:37**
